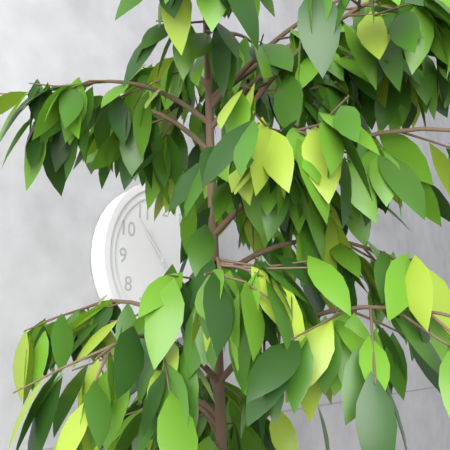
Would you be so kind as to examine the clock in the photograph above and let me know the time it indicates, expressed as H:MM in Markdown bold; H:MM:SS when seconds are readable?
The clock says **10:53**
